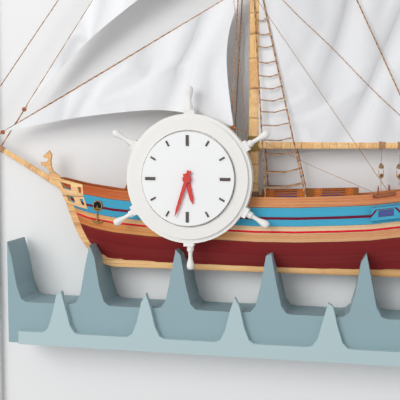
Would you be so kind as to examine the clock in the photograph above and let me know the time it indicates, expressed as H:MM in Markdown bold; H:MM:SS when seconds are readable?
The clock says **5:33**
